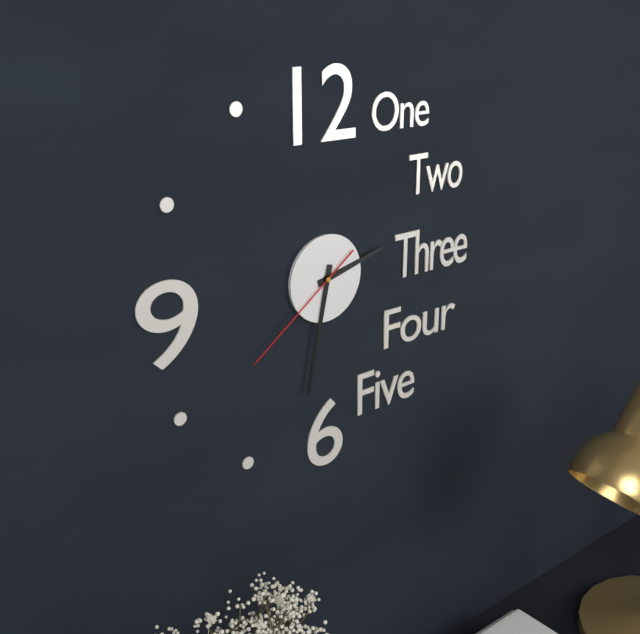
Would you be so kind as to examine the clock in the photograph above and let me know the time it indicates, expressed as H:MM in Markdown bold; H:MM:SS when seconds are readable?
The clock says **2:32:39**
